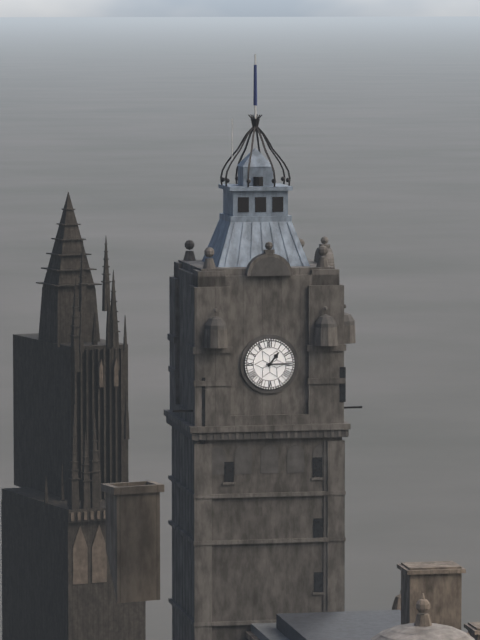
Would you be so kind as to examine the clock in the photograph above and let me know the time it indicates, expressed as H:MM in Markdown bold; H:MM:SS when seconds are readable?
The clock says **1:15**
